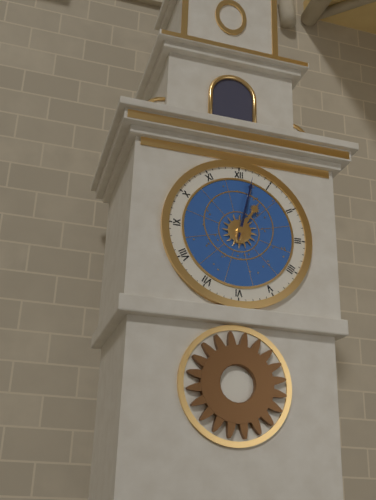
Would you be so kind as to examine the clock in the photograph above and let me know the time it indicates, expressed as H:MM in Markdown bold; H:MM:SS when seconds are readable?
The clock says **1:02**
